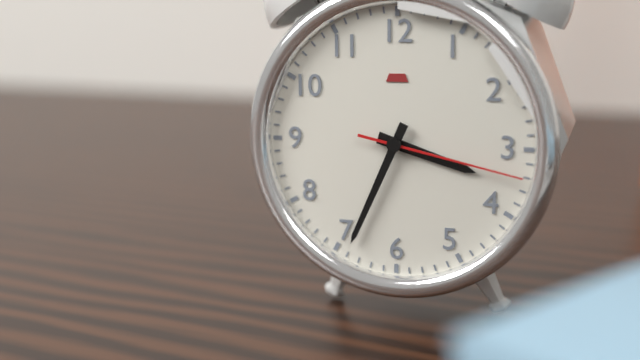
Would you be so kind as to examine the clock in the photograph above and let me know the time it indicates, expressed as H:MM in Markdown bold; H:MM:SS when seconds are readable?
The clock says **3:34:17**
